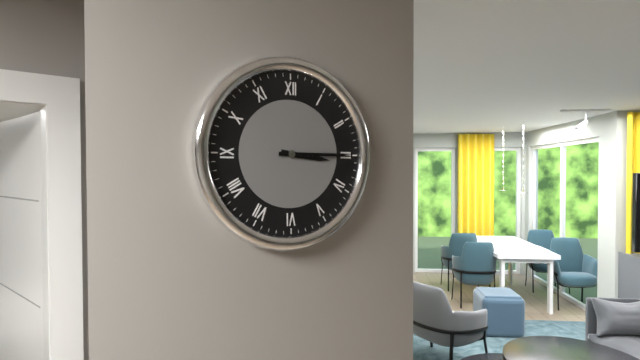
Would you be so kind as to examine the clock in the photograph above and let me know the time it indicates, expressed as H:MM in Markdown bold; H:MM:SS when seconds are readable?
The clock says **3:15**
